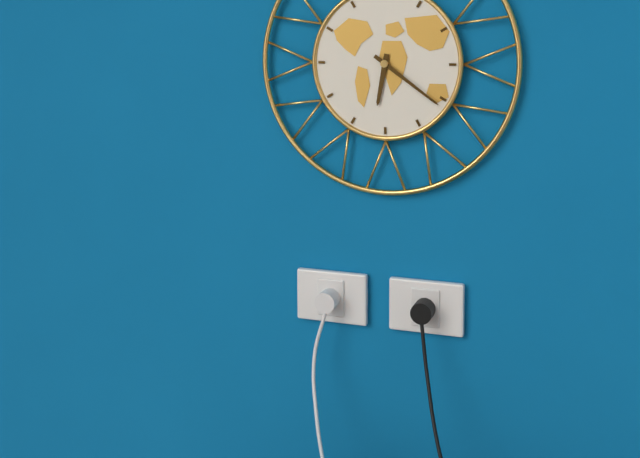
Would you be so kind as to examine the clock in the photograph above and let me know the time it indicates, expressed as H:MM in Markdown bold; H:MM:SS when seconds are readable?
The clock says **6:21**
